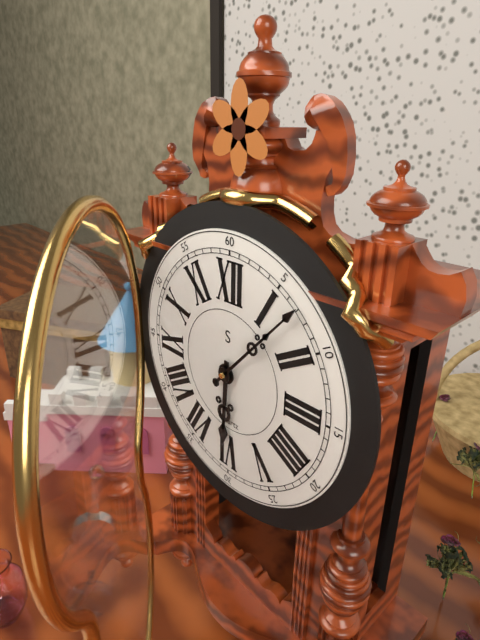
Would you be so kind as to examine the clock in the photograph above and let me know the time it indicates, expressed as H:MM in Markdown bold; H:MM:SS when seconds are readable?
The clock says **6:07**
